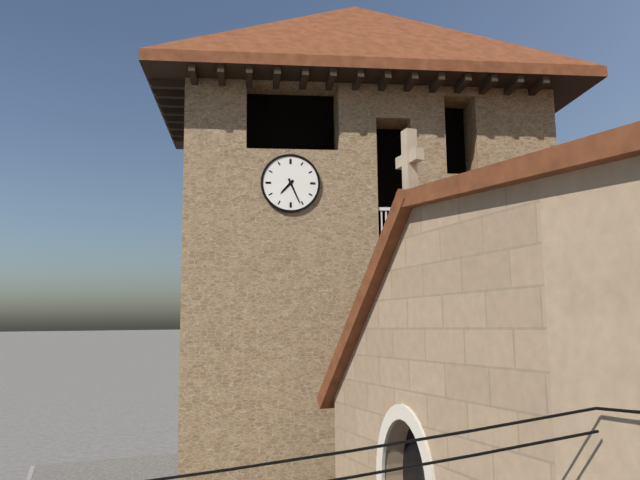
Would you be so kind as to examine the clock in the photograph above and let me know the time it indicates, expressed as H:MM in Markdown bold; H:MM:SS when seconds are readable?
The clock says **7:26**
